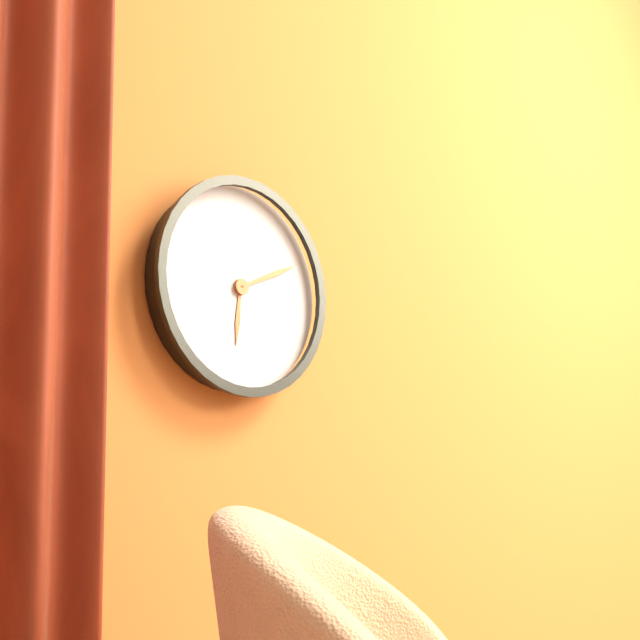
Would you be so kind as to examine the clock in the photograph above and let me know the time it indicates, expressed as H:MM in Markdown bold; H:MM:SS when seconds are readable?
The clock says **6:11**
